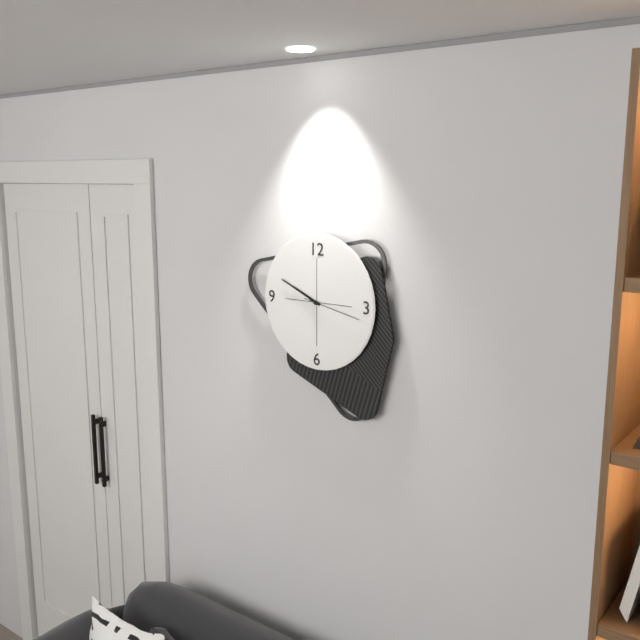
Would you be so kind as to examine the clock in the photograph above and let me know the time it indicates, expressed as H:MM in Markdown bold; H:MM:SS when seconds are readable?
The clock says **9:49:17**
